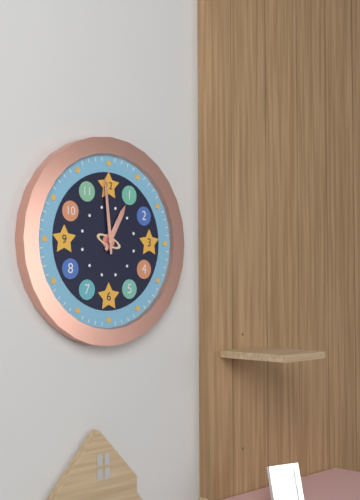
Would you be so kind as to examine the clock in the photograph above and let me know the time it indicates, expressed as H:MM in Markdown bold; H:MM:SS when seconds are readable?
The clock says **12:59**
